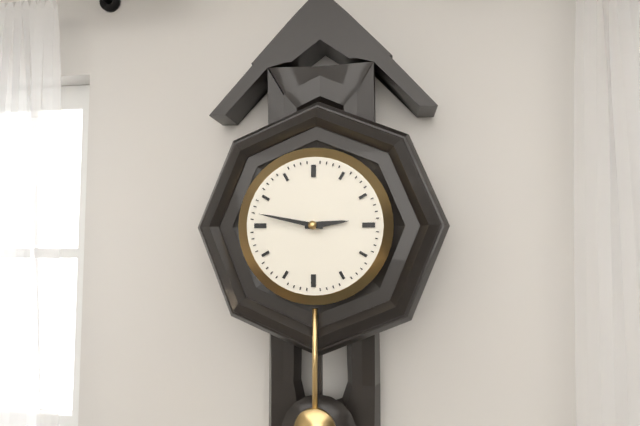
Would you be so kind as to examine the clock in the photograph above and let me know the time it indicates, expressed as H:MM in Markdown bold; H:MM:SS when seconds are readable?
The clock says **2:47**
